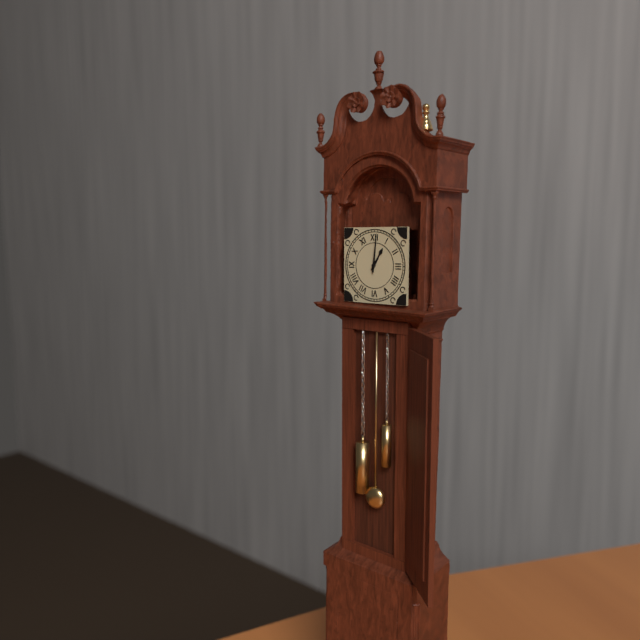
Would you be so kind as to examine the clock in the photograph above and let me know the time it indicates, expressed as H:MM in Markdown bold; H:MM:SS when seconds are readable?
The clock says **1:01**
